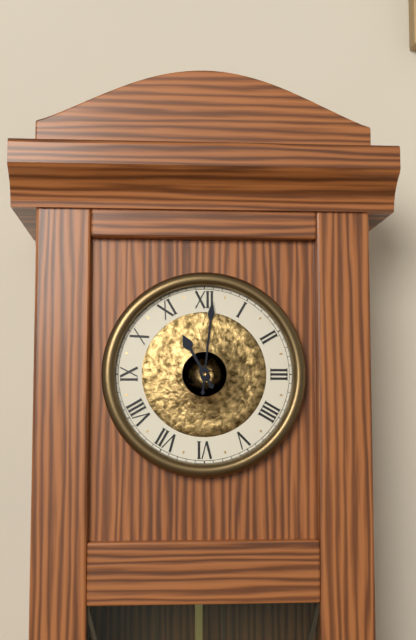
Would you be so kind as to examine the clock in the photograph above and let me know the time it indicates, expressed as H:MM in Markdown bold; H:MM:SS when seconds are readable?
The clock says **11:01**
